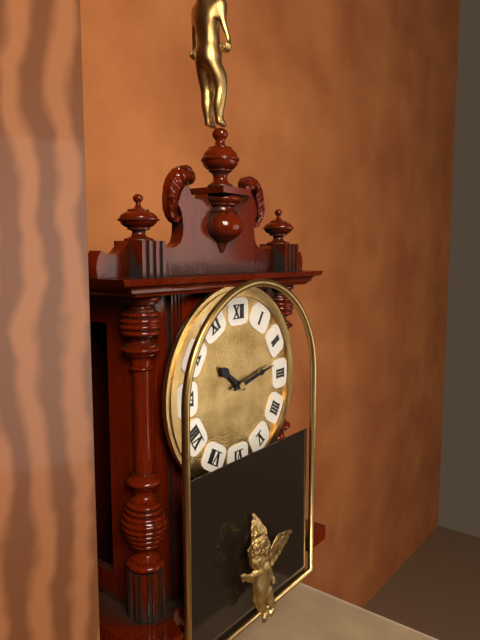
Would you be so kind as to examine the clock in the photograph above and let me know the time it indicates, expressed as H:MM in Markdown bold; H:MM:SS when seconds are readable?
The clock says **10:13**
